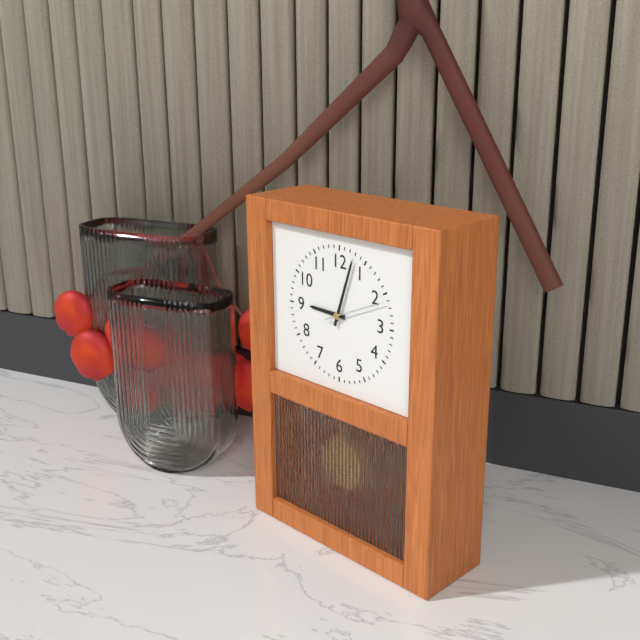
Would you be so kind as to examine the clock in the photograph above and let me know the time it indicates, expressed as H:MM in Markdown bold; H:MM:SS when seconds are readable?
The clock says **9:03:11**
